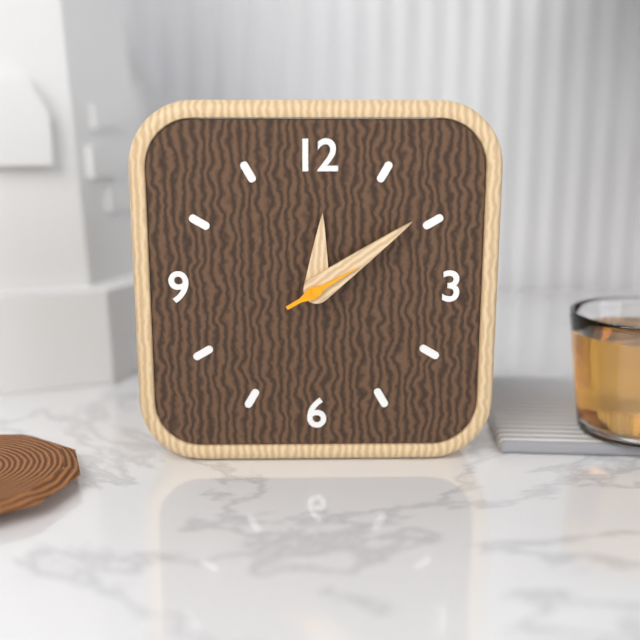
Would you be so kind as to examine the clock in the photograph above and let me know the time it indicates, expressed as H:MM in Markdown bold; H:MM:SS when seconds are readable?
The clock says **12:09:10**
